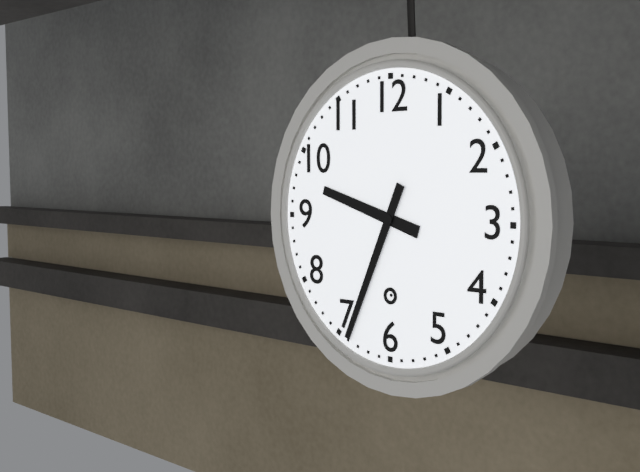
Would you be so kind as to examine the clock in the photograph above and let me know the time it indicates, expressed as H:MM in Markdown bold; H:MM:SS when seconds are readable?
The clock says **9:34**
